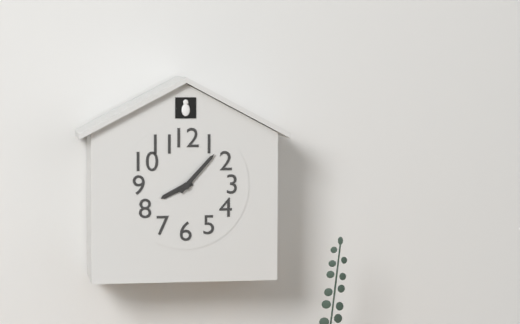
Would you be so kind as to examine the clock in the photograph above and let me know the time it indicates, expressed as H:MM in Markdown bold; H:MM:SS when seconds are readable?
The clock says **8:07**
